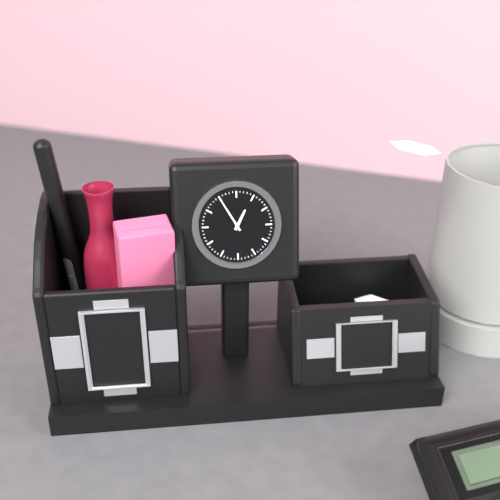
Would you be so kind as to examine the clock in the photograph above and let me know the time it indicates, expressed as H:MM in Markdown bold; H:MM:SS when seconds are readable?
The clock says **12:55**
